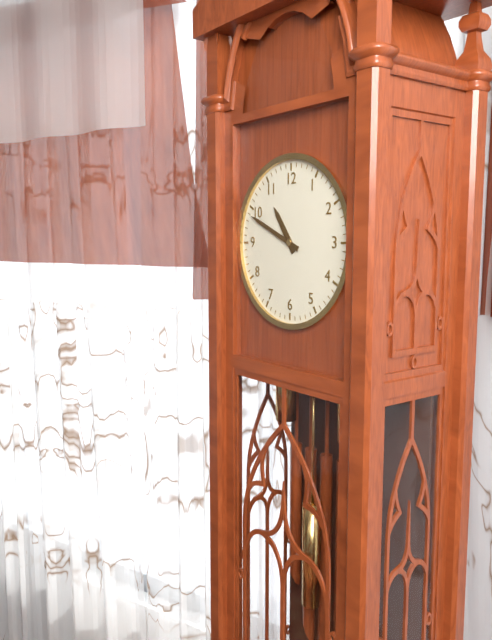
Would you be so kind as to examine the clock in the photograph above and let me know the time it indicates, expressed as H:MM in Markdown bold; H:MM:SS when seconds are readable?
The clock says **10:49**
